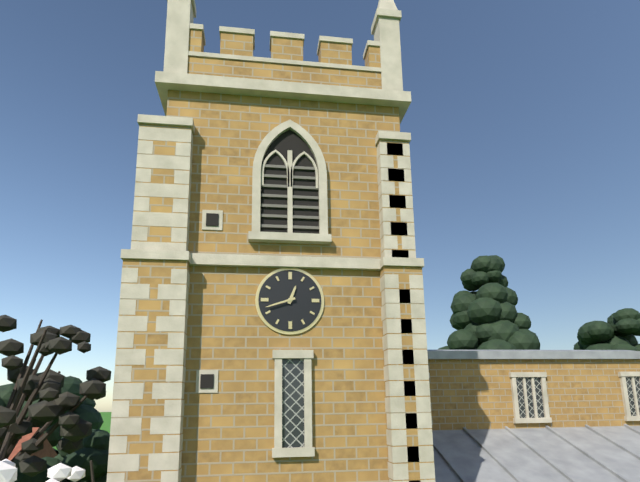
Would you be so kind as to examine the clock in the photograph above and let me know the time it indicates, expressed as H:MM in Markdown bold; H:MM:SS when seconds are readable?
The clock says **12:42**
